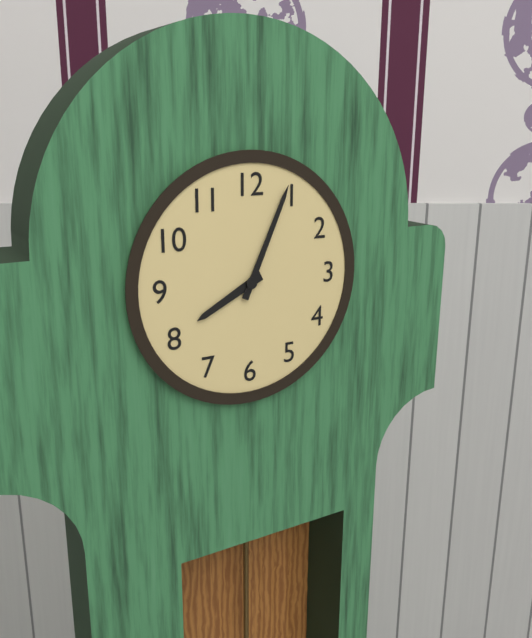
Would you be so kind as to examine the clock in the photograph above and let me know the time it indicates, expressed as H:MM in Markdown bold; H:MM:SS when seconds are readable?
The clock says **8:04**
